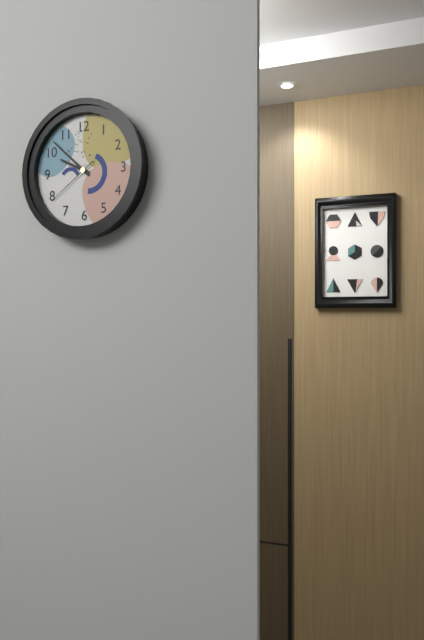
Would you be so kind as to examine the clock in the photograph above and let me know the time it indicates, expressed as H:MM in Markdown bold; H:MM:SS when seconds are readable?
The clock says **9:52:39**
